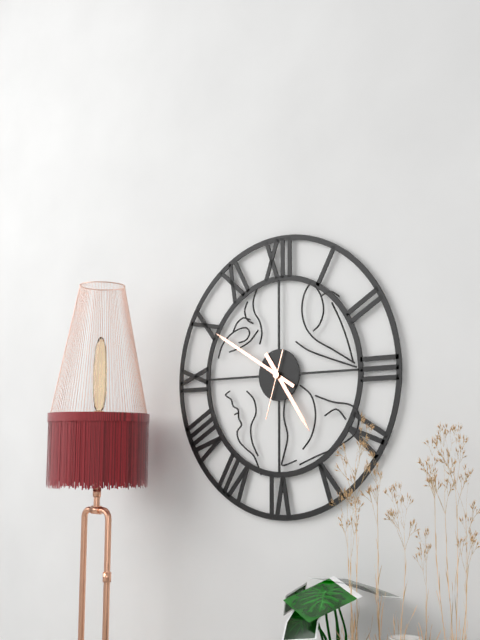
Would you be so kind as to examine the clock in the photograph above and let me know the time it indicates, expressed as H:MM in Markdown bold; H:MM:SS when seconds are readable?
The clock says **4:50:33**
